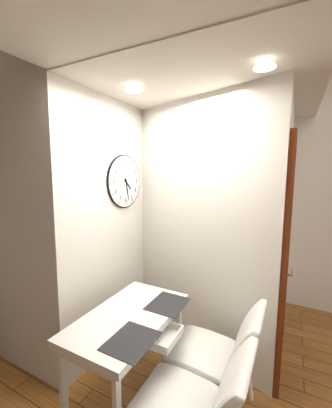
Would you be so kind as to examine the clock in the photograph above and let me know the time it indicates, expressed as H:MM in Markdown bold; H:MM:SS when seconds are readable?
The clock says **4:28**
